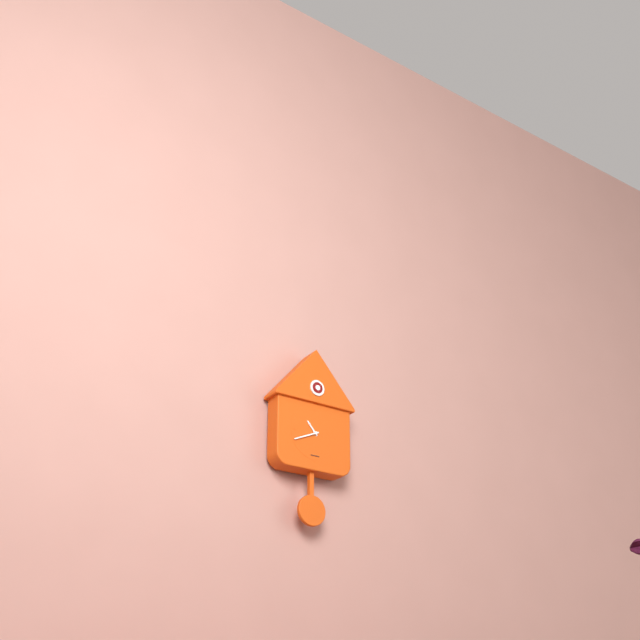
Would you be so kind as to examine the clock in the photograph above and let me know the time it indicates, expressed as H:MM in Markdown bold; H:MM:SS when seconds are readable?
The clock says **10:41**
